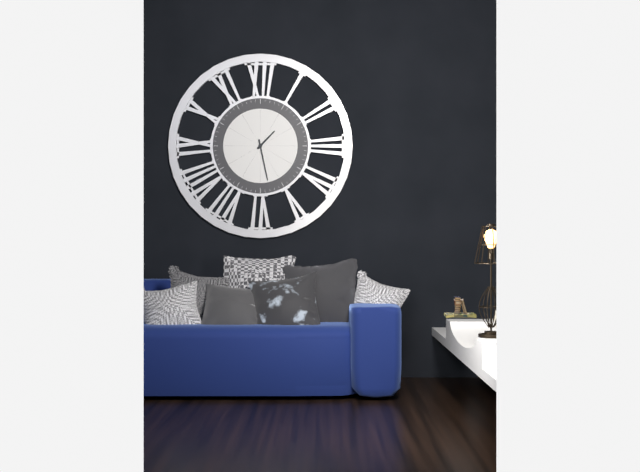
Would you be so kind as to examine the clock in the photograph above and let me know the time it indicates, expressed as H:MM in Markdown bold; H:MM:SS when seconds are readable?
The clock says **1:28**
